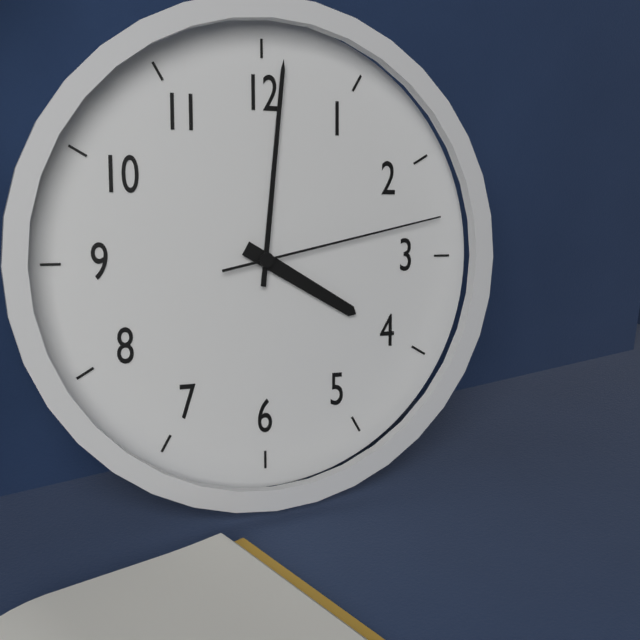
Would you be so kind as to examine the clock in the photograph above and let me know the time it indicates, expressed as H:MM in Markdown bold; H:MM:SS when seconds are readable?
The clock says **4:01:13**
